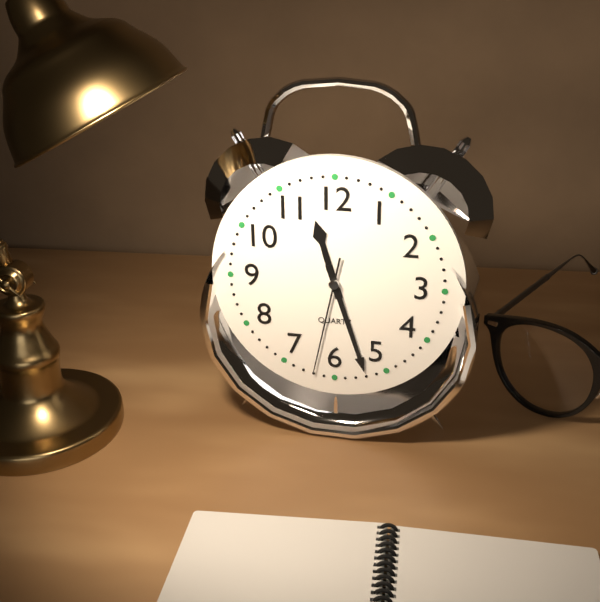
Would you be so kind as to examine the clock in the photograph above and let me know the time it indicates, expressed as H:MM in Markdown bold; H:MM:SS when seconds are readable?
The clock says **11:27:32**
